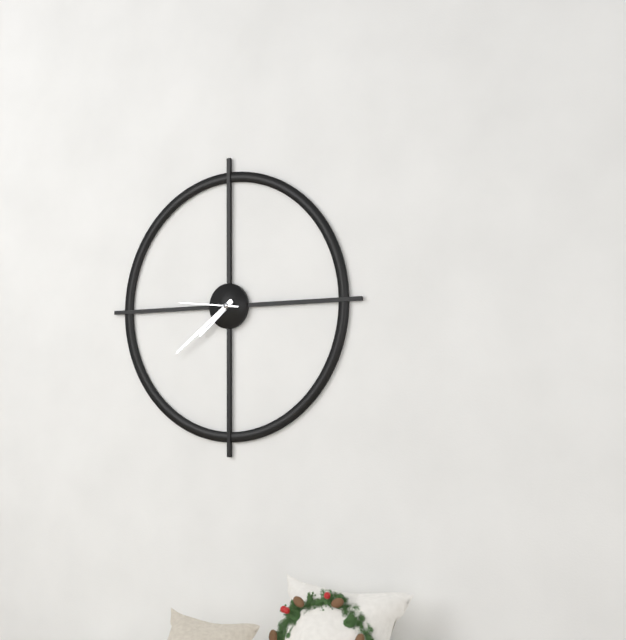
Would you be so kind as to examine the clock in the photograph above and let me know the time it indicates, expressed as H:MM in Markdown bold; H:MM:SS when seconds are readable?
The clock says **7:39:46**
